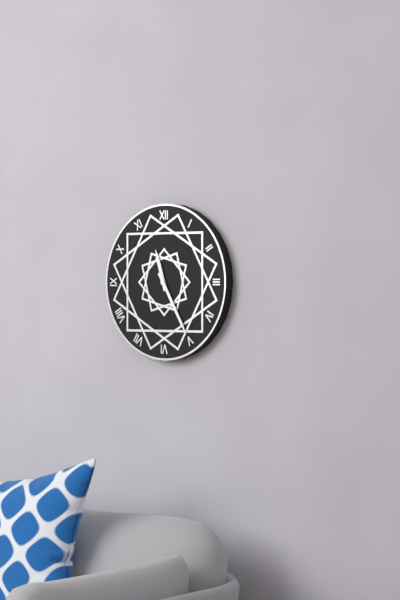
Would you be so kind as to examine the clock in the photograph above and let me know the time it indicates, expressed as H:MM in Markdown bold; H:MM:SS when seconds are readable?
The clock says **11:25**
